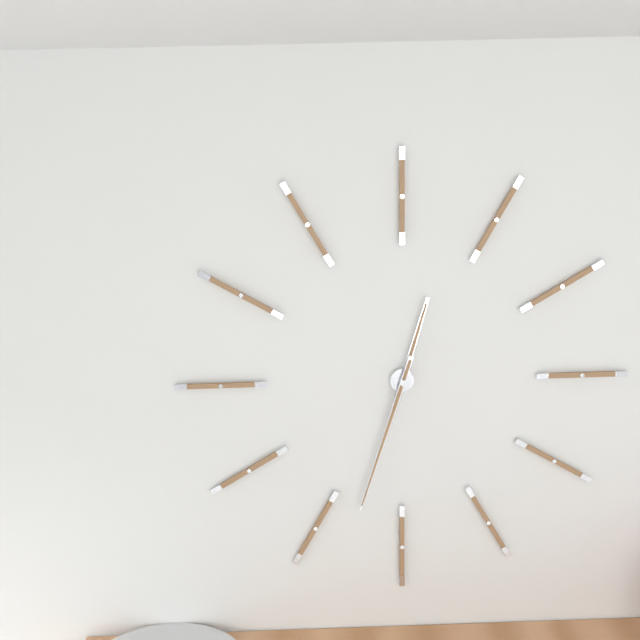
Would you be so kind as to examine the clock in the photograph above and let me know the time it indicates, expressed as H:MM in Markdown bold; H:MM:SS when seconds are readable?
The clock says **12:33**
